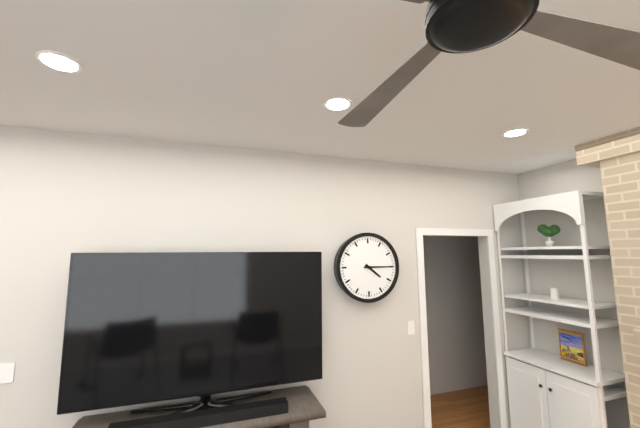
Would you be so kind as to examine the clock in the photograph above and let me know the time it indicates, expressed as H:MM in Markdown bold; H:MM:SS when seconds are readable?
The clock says **4:15**
